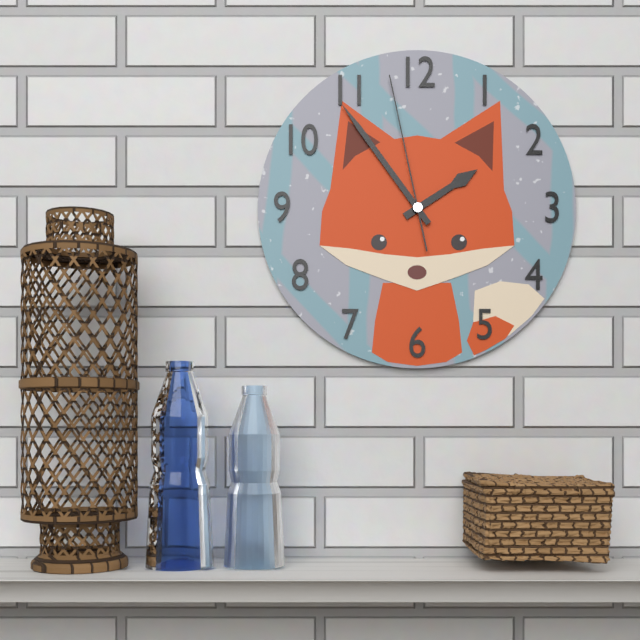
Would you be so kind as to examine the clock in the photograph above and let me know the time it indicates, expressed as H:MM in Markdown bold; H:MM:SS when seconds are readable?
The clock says **1:54:58**
